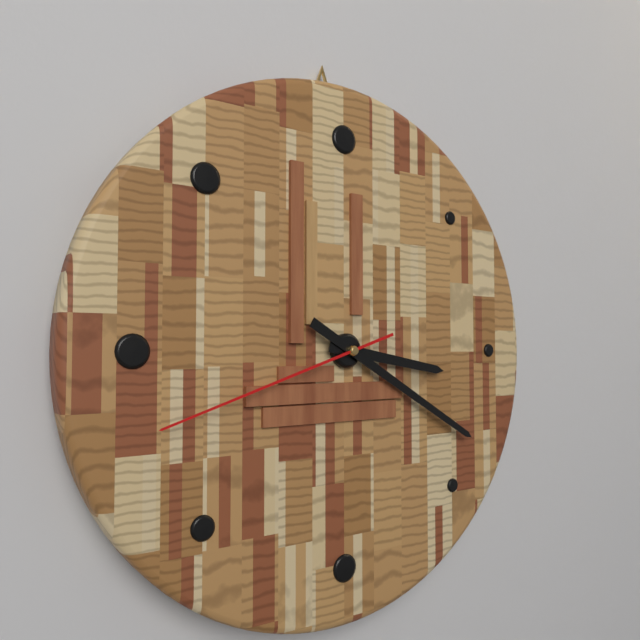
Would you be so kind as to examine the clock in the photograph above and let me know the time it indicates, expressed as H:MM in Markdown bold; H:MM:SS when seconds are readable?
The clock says **3:20:42**
